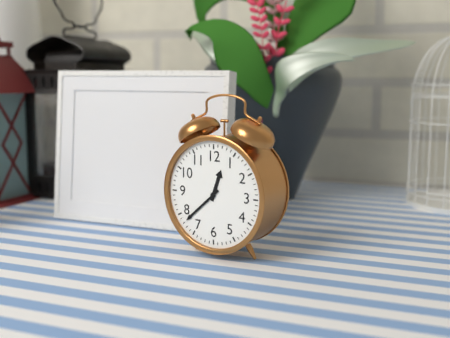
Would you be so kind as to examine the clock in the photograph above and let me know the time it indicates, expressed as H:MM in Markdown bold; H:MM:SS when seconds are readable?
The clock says **12:38**
